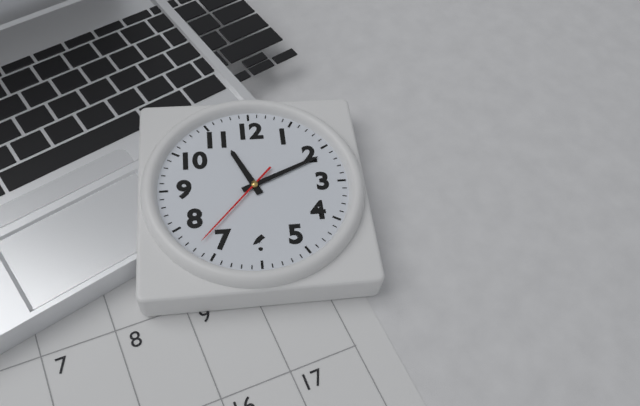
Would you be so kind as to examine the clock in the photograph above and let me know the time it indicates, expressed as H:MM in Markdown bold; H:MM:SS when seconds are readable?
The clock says **11:11:37**
